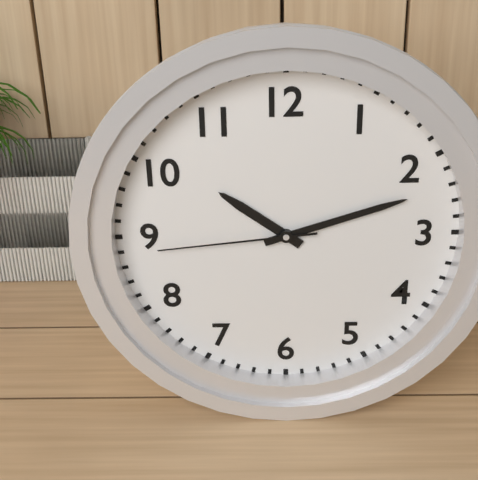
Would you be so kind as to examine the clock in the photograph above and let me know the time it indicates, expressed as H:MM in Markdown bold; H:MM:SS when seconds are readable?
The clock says **10:12:44**
